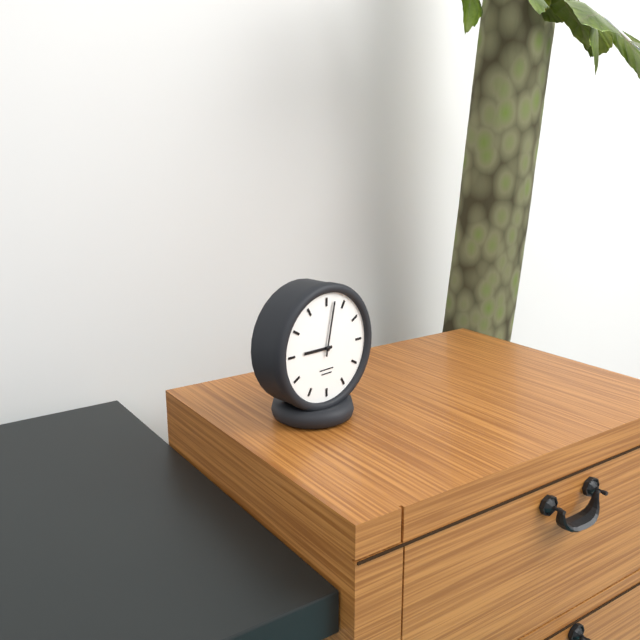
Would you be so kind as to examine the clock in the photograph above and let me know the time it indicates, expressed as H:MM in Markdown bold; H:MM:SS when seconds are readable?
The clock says **9:02**
